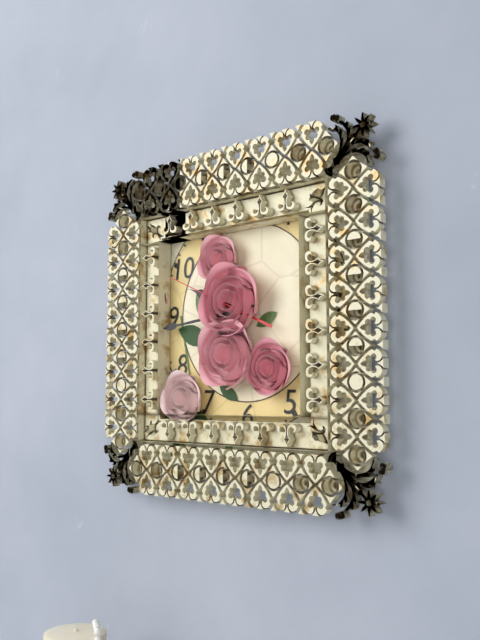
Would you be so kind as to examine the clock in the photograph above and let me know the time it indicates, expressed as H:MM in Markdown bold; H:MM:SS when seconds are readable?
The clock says **9:44:49**
